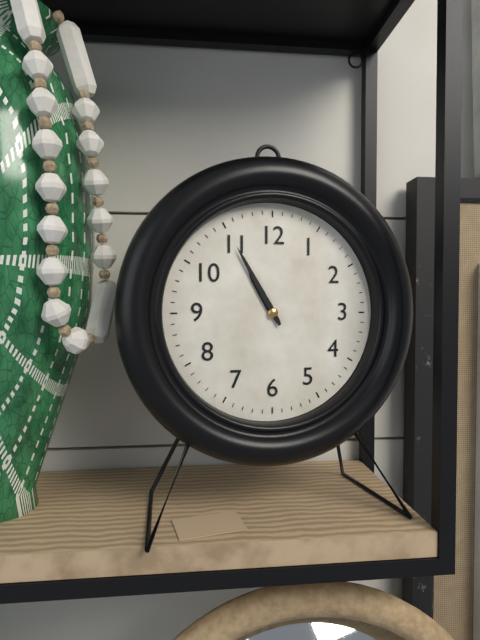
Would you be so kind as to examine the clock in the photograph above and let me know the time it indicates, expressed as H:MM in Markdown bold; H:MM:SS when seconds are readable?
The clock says **10:55**
